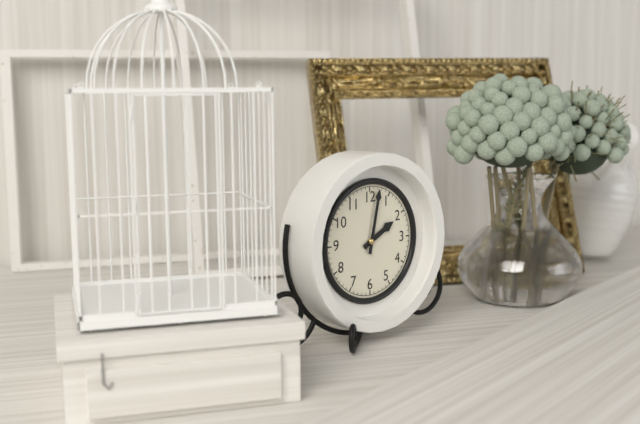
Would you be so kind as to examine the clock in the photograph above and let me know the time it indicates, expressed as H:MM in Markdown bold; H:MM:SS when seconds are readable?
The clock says **2:02**
